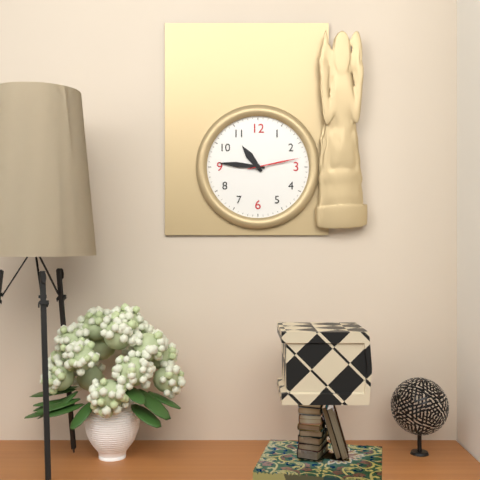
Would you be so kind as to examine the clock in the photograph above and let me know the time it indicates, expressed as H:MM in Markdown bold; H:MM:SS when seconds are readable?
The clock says **10:46:13**
